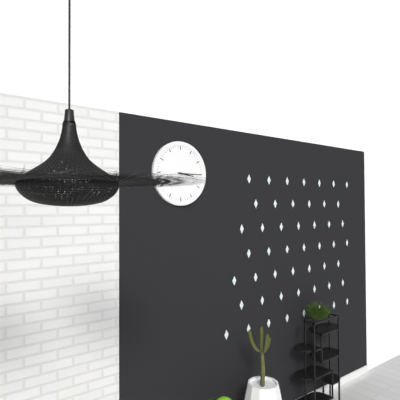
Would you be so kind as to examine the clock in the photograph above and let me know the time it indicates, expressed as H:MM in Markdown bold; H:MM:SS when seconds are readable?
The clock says **3:15**
